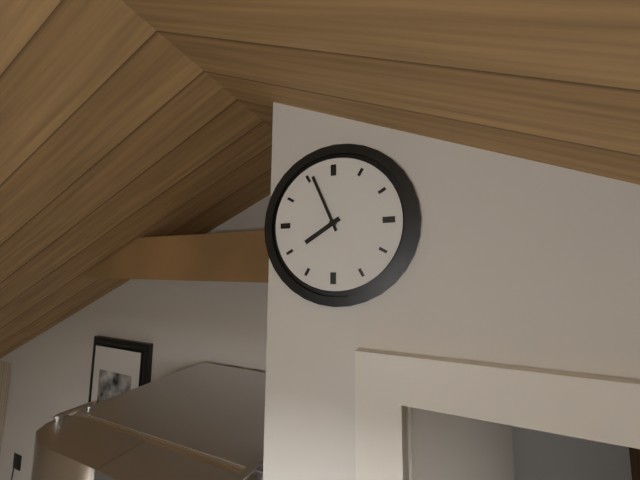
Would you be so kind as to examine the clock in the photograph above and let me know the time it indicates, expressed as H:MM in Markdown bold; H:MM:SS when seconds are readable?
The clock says **7:56**
